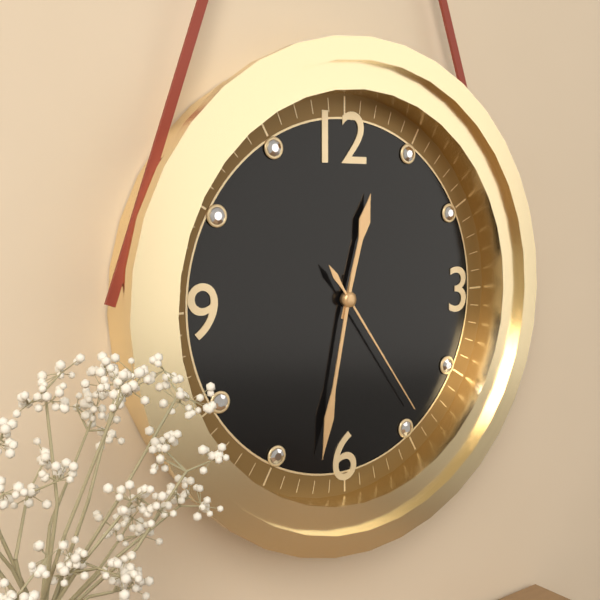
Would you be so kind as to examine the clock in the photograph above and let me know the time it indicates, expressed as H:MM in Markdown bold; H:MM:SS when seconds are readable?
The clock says **12:32:24**
